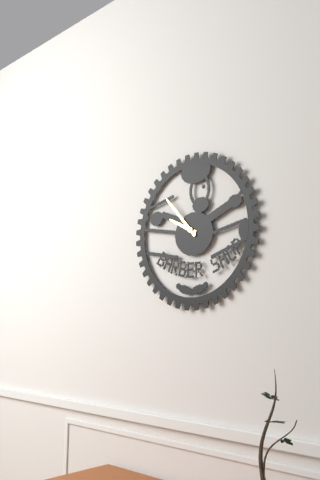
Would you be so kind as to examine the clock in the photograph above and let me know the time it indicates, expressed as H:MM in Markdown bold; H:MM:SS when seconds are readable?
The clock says **9:53**
